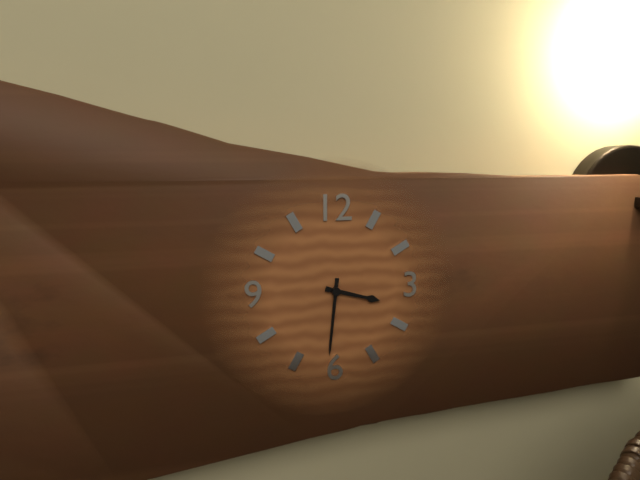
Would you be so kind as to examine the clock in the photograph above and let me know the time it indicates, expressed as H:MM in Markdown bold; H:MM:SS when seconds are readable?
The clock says **3:31**
